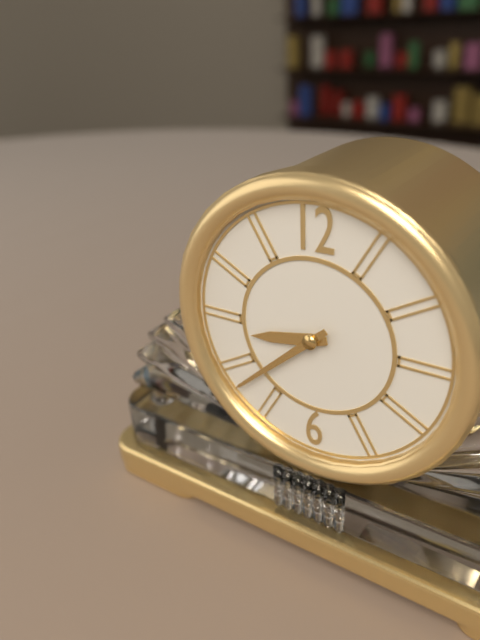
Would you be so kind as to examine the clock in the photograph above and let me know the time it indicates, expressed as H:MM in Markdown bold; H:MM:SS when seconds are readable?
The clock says **8:38**
